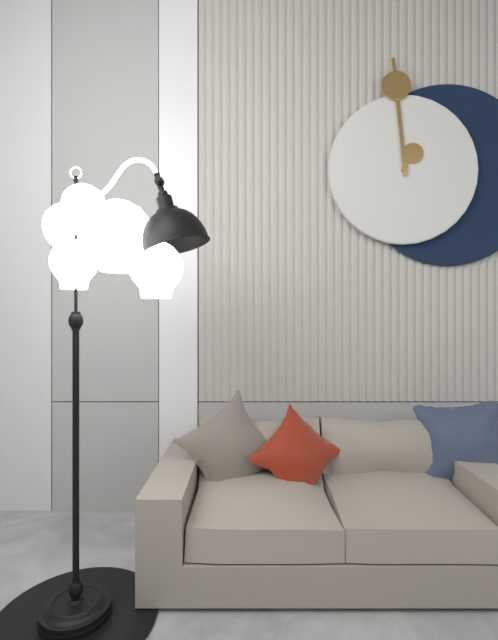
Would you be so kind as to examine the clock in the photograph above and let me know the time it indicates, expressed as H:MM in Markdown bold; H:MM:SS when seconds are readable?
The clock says **12:59**
